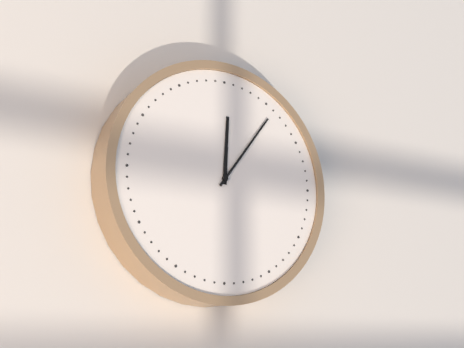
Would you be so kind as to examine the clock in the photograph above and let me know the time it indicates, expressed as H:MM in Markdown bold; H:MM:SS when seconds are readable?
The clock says **12:06**
